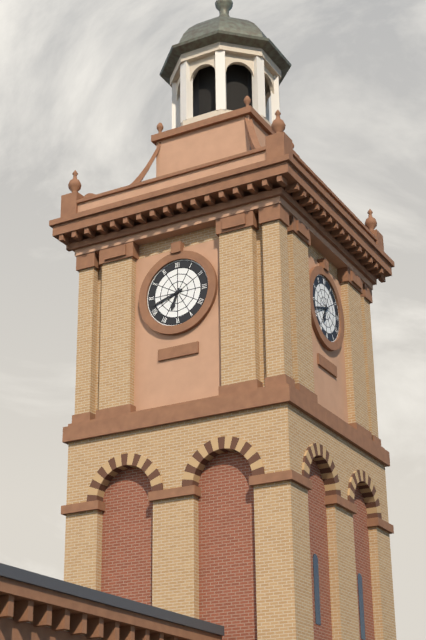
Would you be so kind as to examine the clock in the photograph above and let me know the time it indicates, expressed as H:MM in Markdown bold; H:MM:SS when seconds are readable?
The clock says **6:42**
